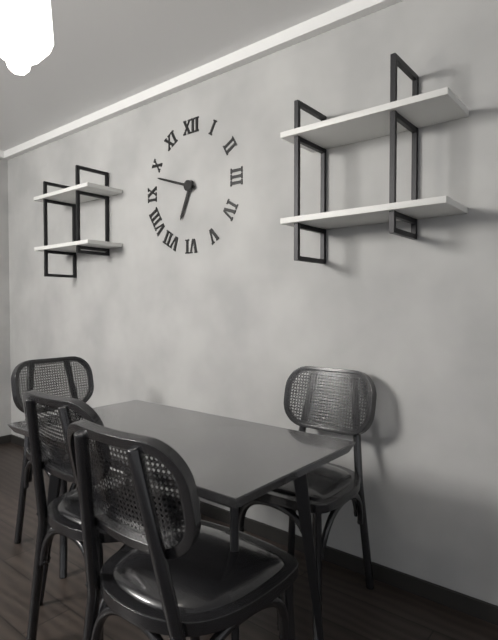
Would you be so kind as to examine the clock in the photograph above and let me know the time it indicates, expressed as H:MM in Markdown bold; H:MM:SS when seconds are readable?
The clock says **6:48**
